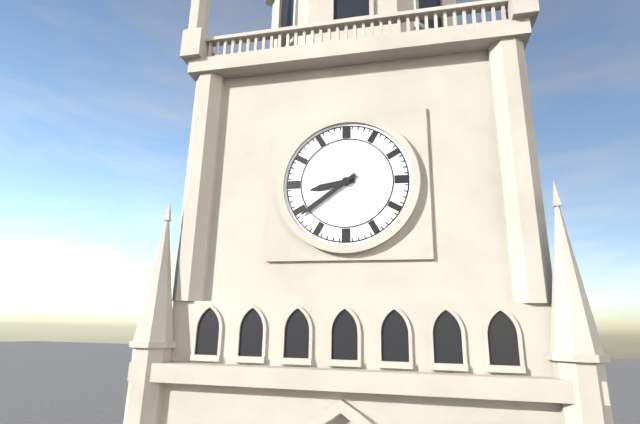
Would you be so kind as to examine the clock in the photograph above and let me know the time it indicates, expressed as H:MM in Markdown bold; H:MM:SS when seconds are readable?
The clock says **8:39**
